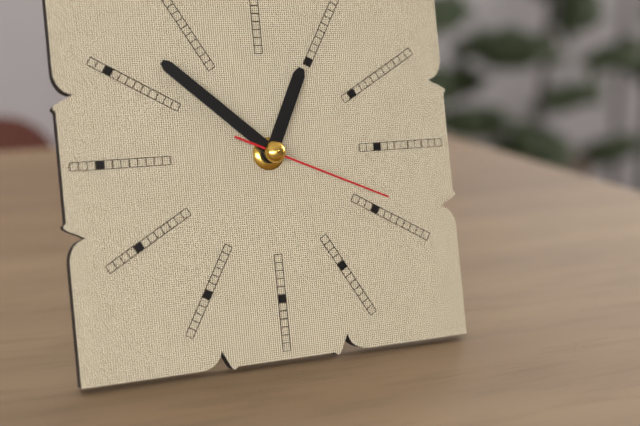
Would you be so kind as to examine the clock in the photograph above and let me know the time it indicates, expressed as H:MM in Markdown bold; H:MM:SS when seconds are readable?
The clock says **12:52:19**
